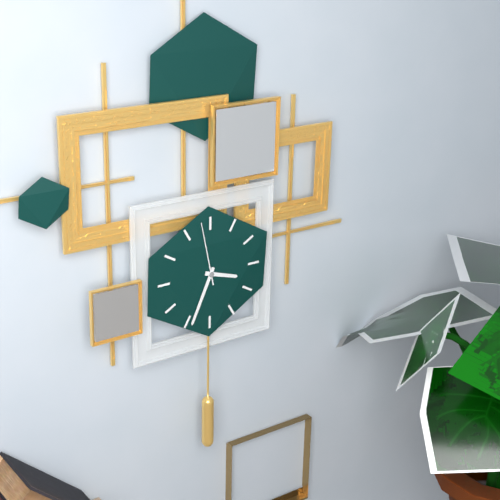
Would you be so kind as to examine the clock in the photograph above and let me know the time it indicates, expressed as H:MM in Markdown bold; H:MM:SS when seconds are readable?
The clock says **3:34:58**
